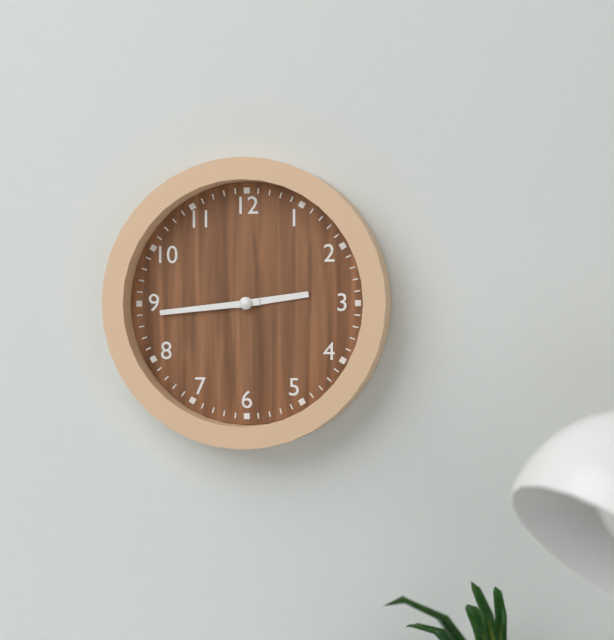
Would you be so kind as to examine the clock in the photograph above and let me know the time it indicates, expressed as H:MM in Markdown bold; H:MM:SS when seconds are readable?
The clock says **2:44**
